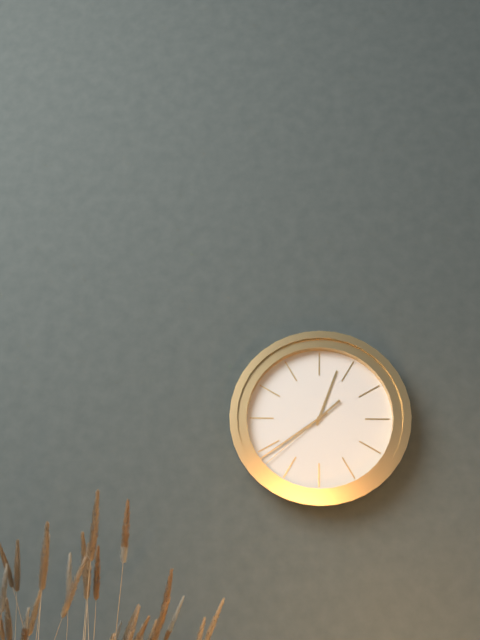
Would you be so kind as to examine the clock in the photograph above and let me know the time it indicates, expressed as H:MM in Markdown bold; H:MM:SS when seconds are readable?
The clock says **12:39:38**
